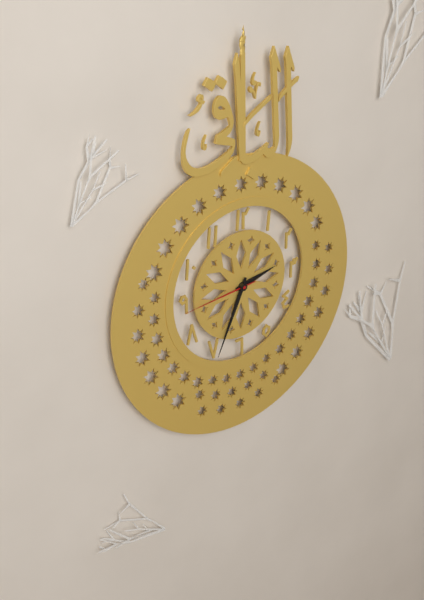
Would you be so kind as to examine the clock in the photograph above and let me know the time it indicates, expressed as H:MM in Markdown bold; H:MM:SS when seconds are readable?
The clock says **2:34:44**
